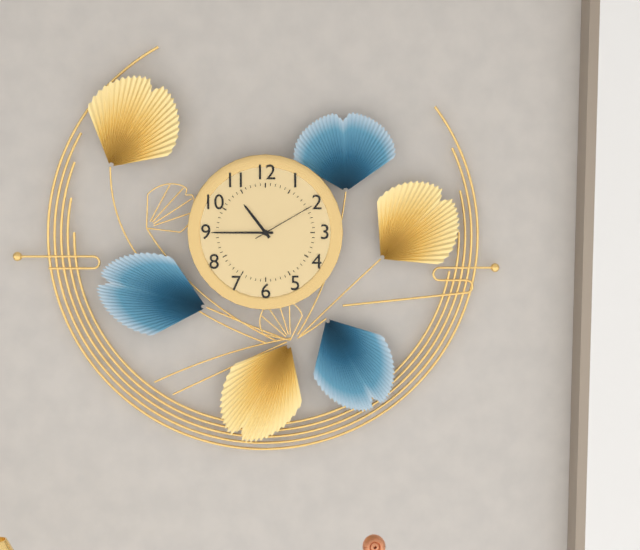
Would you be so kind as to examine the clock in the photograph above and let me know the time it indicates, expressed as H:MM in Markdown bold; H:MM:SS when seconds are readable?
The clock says **10:45:10**
